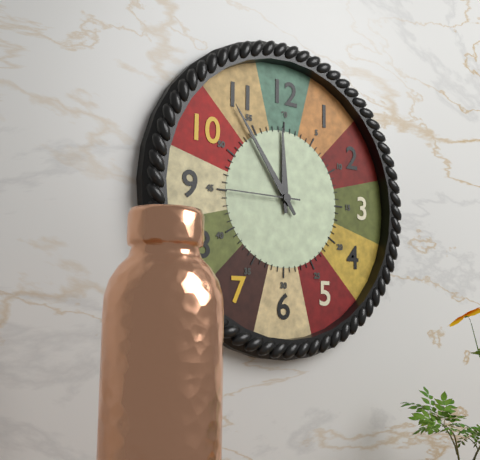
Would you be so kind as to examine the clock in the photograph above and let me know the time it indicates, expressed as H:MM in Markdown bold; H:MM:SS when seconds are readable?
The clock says **11:54:45**
